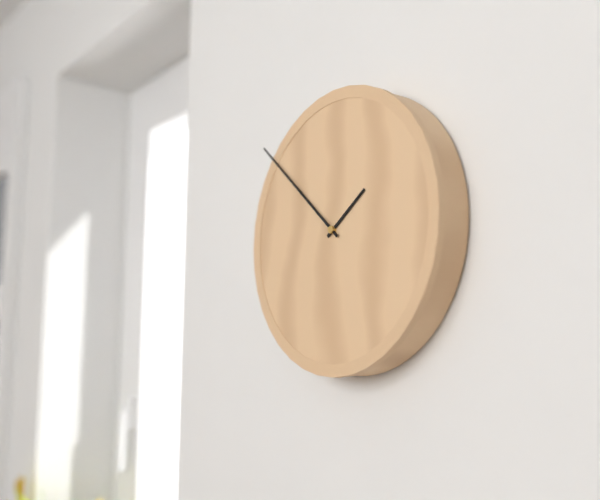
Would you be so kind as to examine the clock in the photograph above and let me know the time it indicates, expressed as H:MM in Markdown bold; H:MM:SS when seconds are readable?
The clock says **1:52**
